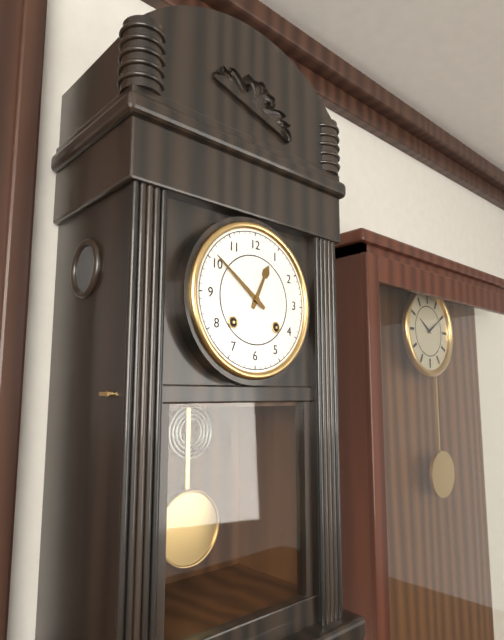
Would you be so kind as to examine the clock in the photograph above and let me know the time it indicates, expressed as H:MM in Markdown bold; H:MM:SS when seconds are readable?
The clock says **12:51**
